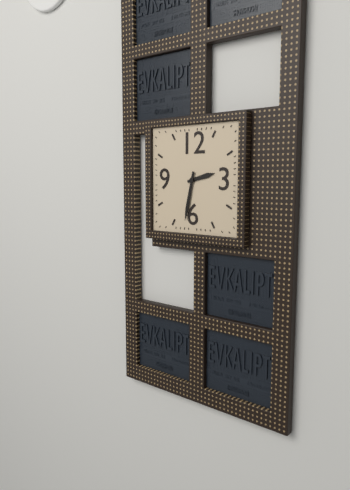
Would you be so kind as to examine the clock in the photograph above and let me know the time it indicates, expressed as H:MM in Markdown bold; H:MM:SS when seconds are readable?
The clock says **2:32**
